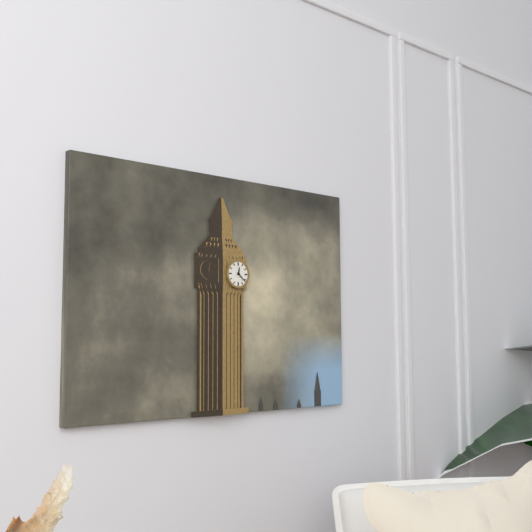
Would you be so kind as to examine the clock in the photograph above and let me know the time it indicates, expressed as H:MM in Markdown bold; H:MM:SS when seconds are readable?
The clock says **12:22**
